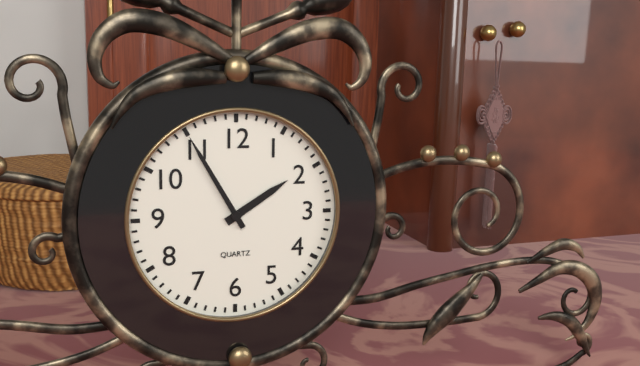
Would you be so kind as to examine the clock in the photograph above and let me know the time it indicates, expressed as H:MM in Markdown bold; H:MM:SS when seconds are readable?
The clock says **1:55**
